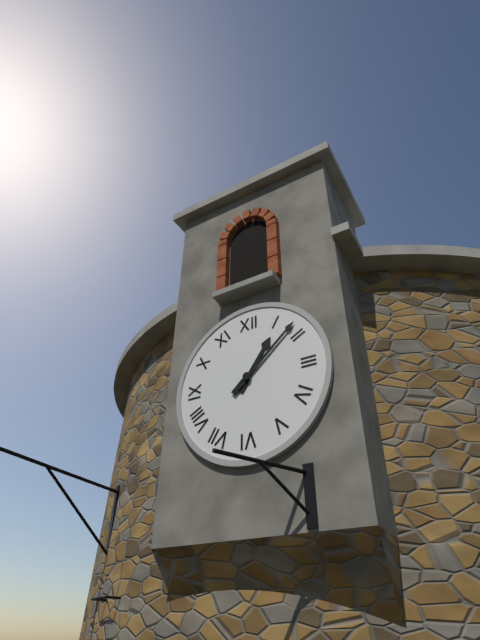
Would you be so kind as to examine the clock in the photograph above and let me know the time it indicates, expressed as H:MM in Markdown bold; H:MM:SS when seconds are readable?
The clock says **1:08**
